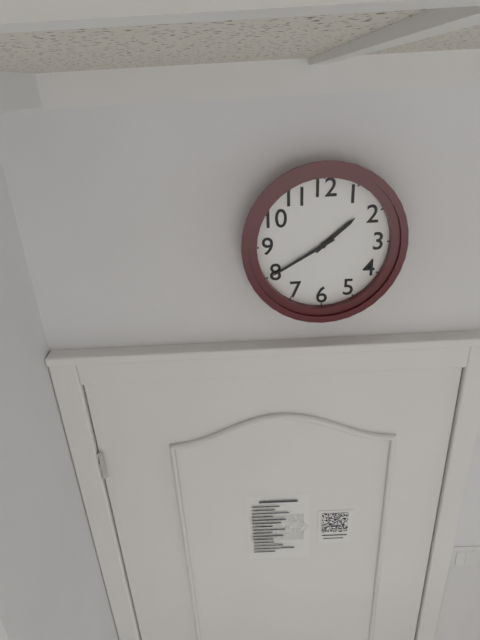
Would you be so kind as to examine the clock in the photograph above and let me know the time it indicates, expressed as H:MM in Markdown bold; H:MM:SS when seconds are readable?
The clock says **1:40**
